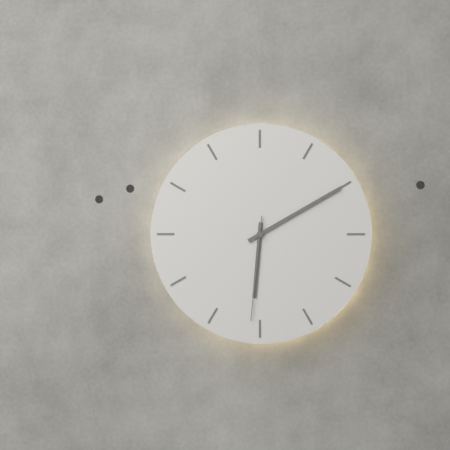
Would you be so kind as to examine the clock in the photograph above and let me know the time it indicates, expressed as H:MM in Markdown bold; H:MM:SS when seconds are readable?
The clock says **6:10:31**
